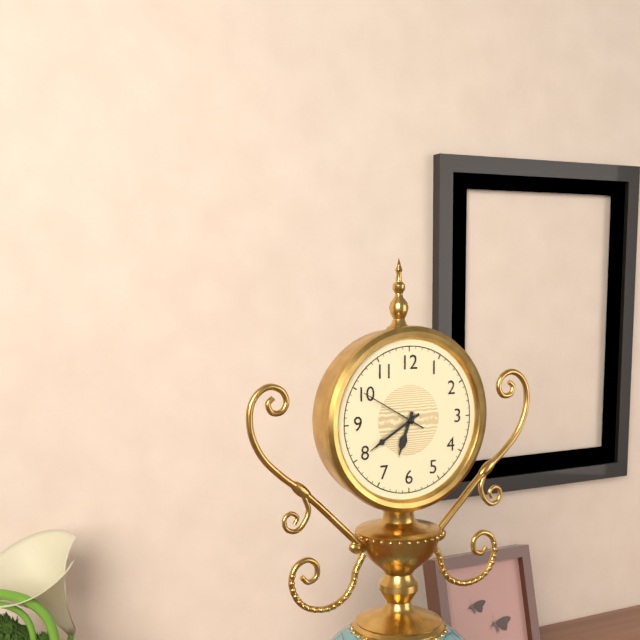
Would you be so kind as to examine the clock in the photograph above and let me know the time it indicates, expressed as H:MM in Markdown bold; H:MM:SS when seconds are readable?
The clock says **6:40:50**
